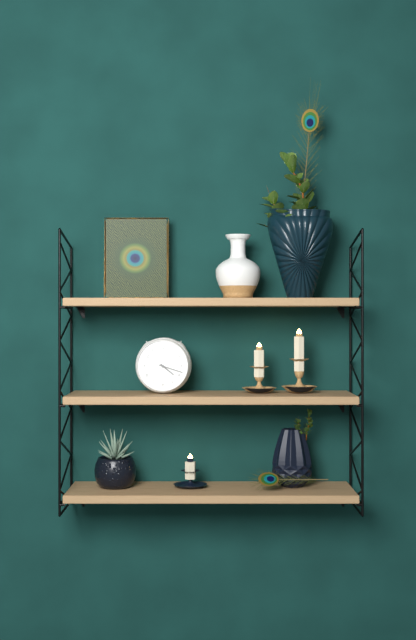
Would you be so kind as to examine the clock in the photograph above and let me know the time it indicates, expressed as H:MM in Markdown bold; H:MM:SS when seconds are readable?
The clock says **4:18**
